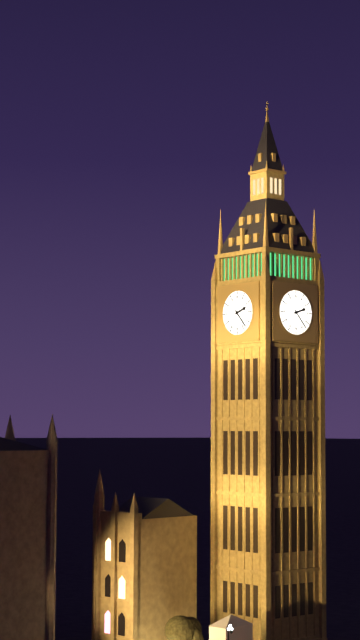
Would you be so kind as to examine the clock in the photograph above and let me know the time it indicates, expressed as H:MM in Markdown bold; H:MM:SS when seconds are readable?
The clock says **2:23**
